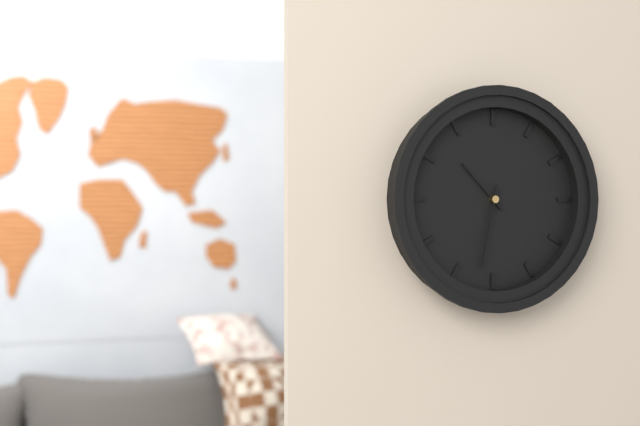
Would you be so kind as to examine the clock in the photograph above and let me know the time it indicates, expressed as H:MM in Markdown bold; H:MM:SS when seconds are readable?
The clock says **10:32**
